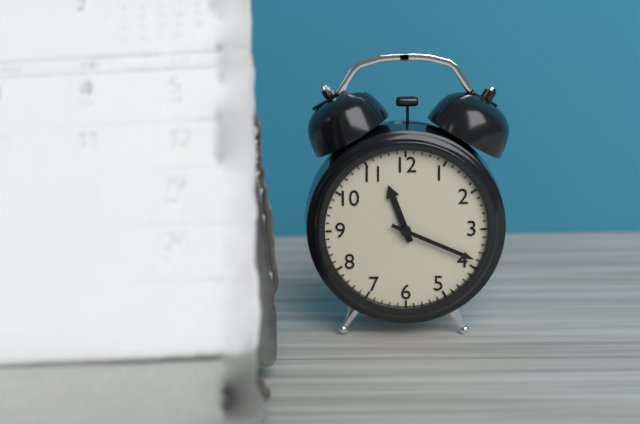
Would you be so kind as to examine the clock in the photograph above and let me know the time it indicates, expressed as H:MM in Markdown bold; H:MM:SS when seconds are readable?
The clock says **11:19**
